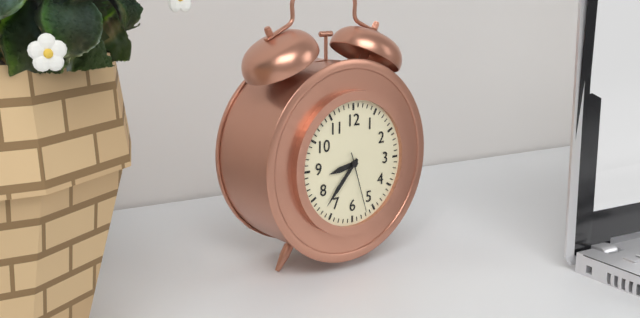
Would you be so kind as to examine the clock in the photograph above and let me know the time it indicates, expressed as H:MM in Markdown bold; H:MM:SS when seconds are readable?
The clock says **8:37:27**
